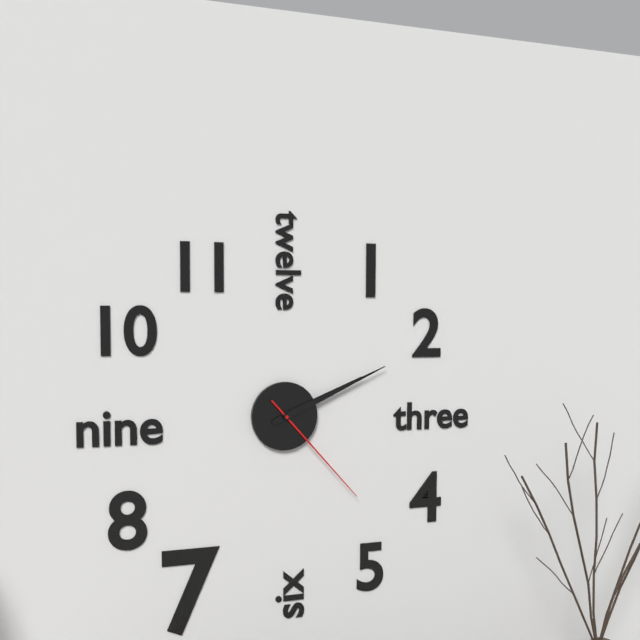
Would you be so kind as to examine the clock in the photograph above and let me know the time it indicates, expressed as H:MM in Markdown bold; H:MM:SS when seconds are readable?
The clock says **2:11:23**
